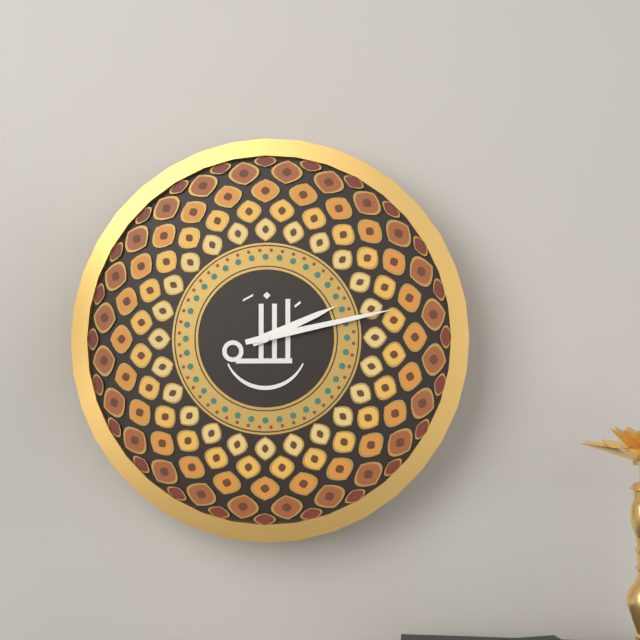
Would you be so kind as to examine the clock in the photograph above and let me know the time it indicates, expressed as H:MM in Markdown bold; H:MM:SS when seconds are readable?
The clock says **2:13**
